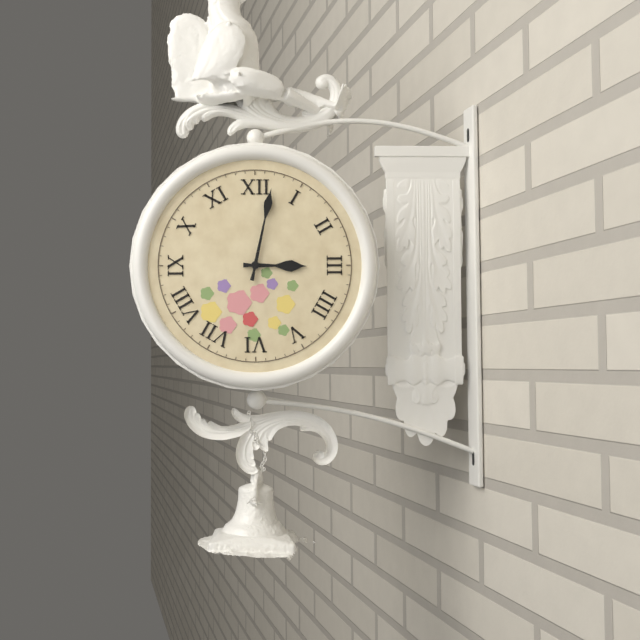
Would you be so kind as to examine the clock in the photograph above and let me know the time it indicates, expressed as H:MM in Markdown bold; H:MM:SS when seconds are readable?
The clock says **3:02**
